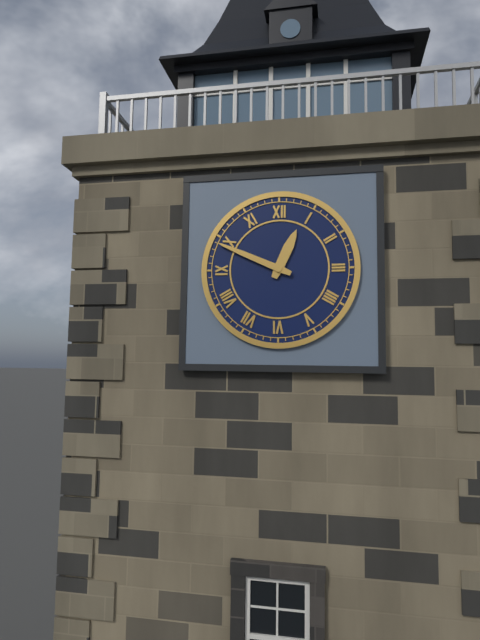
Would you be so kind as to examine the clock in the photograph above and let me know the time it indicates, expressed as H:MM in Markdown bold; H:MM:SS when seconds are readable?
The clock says **12:49**
